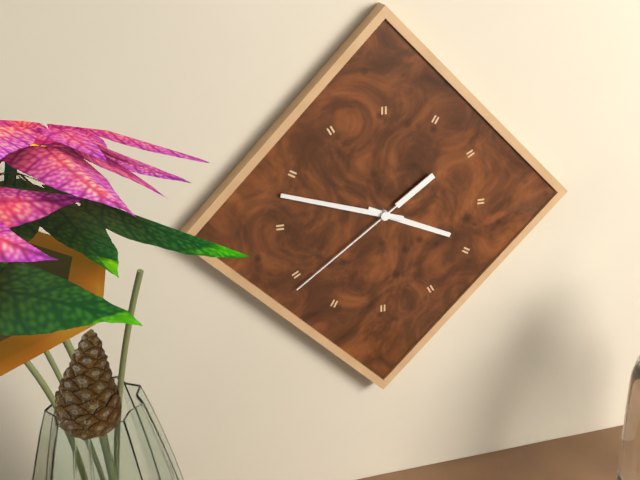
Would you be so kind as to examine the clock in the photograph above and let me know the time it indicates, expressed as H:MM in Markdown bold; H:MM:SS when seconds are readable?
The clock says **3:48:39**
